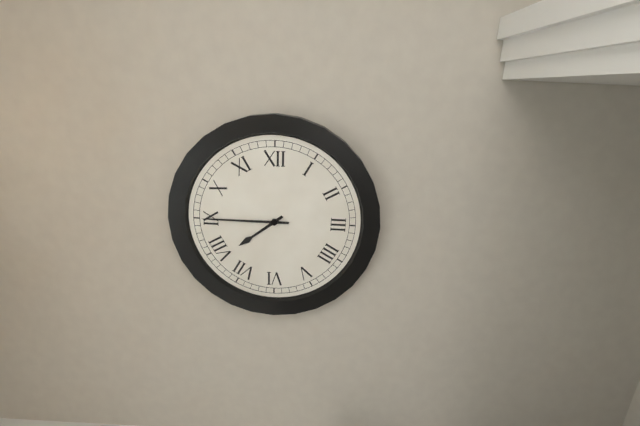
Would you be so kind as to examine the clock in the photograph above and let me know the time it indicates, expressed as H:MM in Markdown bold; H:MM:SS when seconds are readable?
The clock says **7:45**
